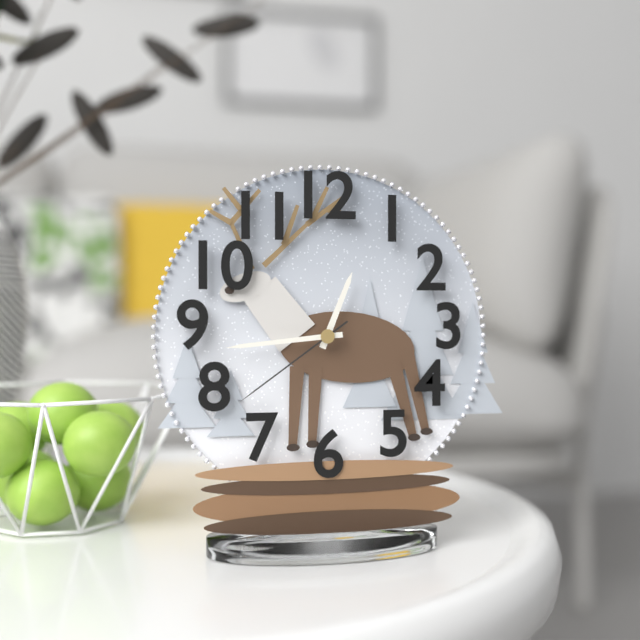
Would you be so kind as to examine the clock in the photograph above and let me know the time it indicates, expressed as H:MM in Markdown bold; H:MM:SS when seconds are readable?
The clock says **12:44:39**
